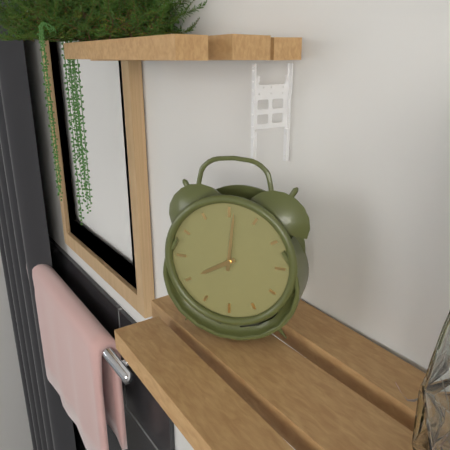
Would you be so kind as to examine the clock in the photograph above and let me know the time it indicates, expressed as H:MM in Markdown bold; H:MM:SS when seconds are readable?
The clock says **8:01**
